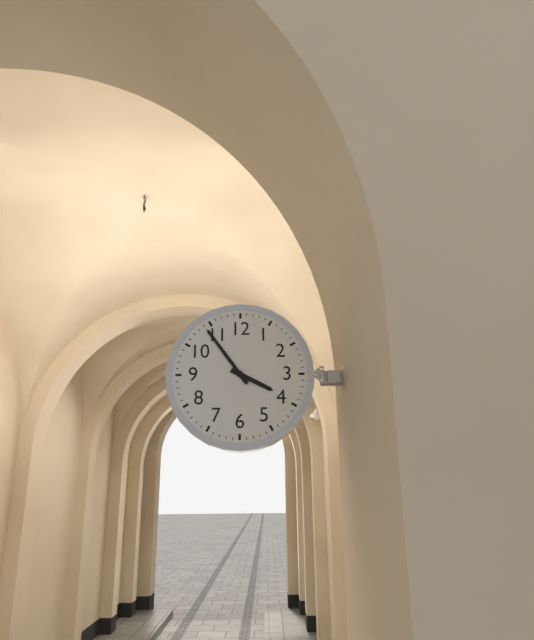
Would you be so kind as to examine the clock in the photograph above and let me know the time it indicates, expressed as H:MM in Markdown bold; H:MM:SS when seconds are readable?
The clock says **3:54**
